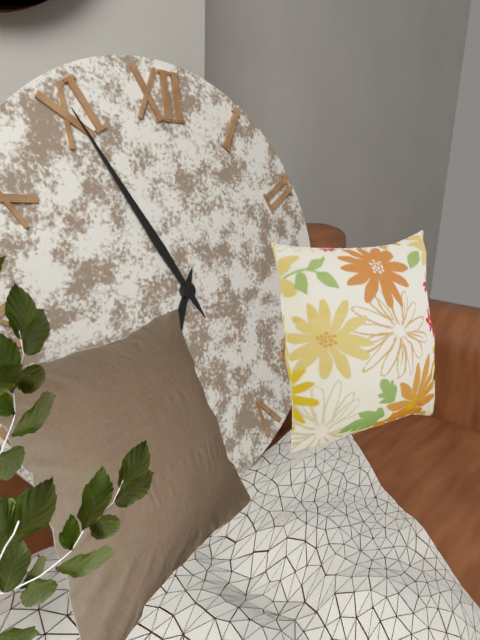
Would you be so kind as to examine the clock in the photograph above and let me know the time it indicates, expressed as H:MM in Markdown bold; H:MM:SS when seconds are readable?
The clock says **6:55**
